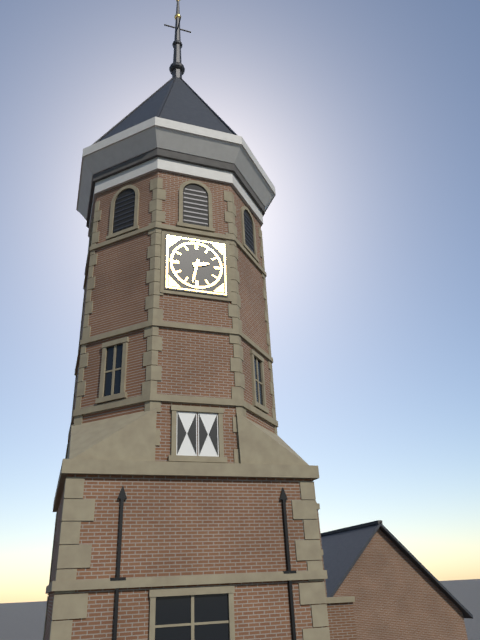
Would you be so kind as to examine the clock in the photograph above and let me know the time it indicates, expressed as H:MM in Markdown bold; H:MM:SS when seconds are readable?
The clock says **2:32**
